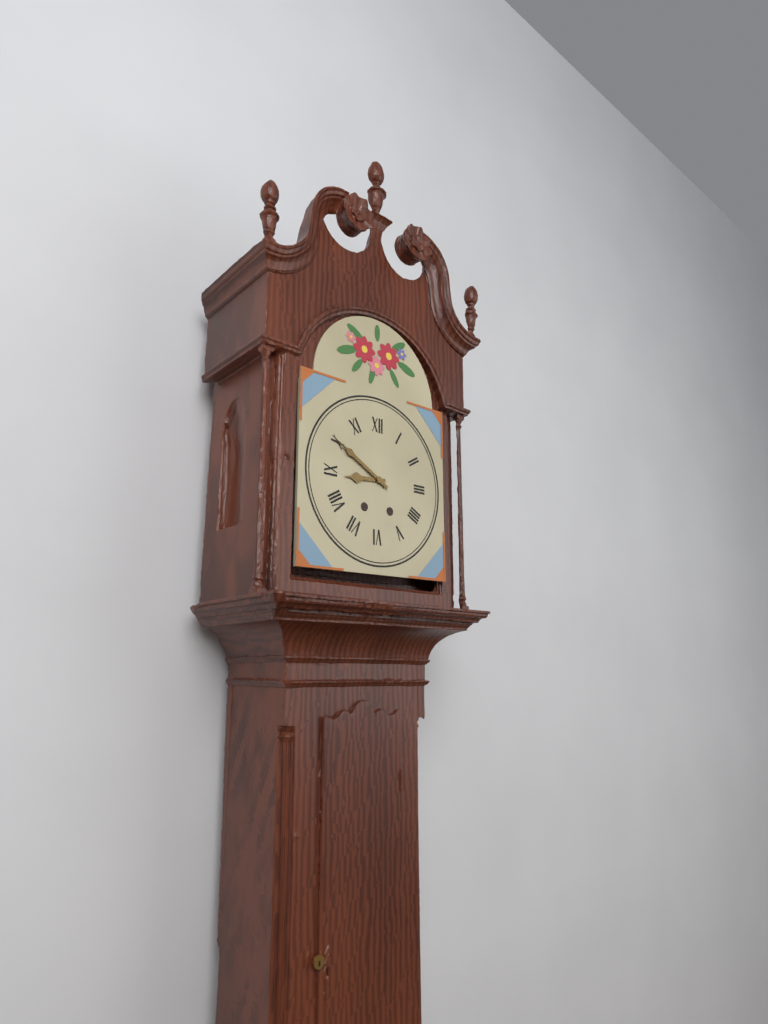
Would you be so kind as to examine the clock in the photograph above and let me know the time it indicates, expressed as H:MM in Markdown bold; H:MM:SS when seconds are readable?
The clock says **8:50**
